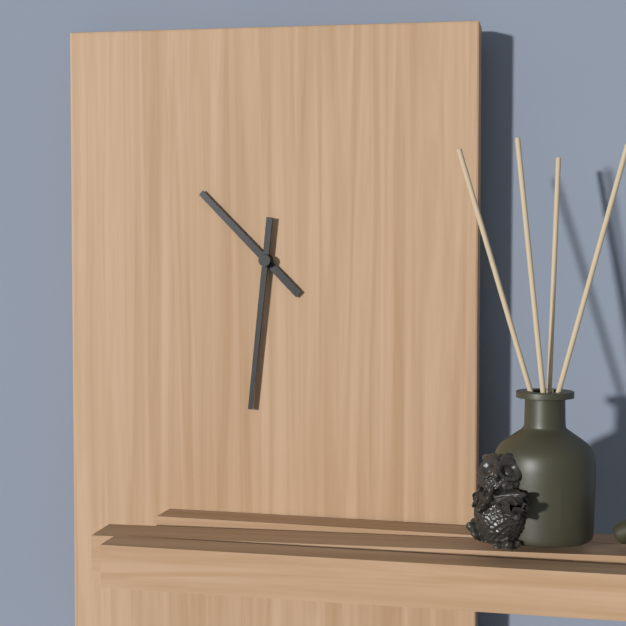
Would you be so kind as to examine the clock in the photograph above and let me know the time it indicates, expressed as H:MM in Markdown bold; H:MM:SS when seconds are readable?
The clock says **10:31**
